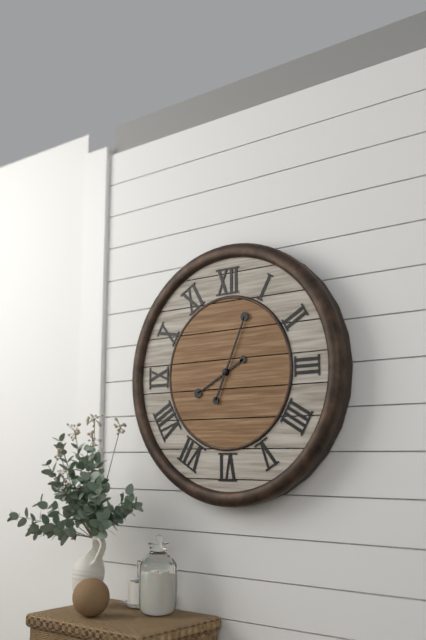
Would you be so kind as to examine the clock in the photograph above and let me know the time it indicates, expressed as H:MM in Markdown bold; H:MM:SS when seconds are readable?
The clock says **8:04**
